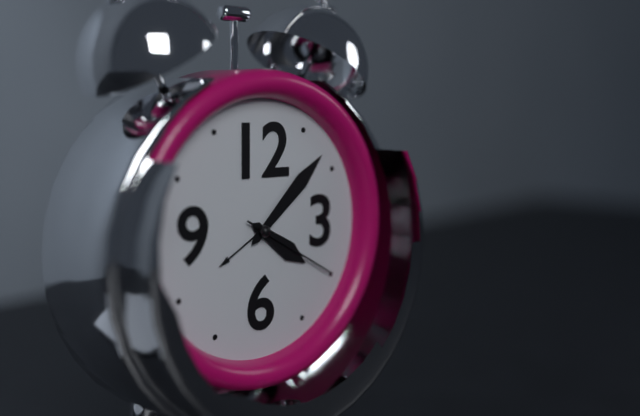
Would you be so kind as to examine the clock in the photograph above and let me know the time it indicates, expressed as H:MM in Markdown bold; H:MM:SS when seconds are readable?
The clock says **4:08:20**
